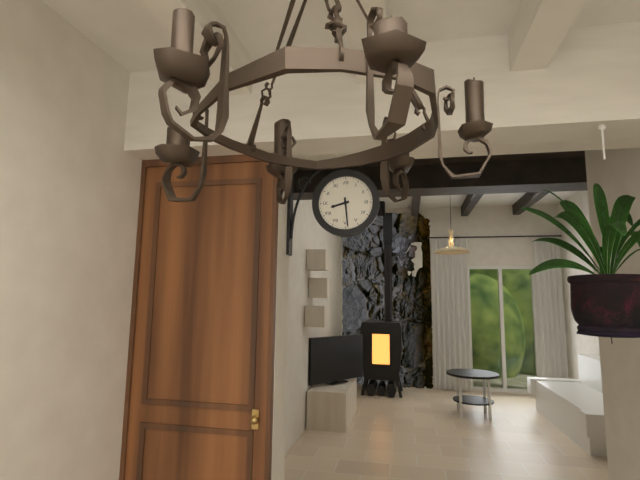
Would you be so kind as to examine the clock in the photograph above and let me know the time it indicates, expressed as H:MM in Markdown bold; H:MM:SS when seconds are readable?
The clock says **8:29**
